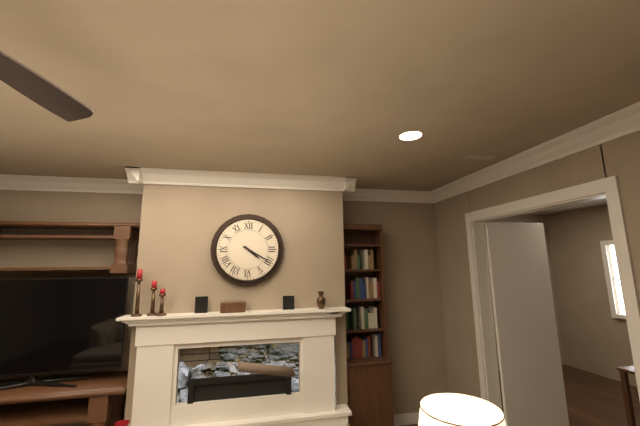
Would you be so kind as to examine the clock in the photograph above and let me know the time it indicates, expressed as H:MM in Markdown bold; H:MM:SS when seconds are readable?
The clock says **4:20**
